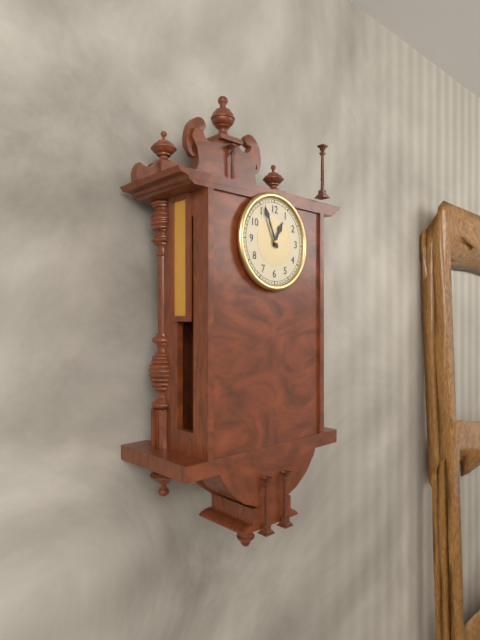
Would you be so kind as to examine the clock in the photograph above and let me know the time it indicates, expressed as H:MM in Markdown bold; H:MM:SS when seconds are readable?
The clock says **12:56**
